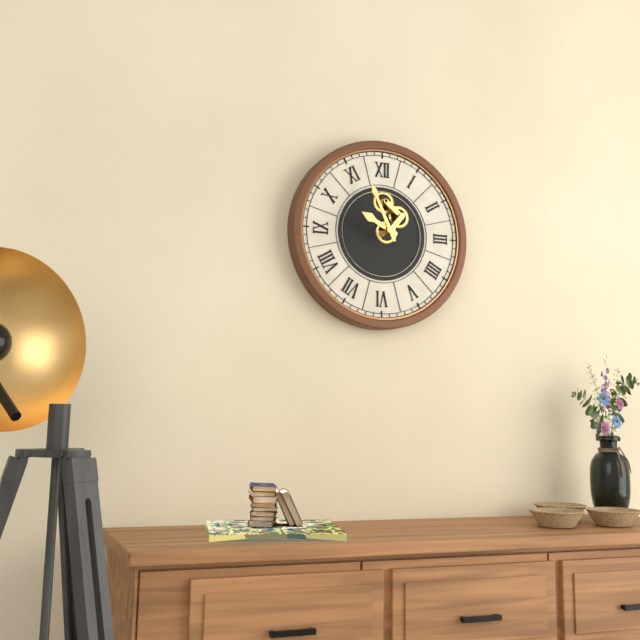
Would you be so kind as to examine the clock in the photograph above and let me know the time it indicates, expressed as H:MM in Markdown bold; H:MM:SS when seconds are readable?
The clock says **9:56**
